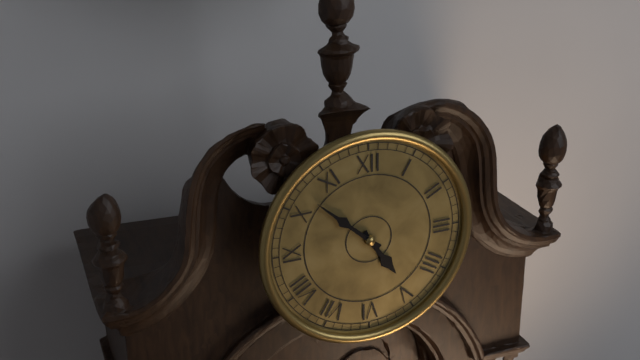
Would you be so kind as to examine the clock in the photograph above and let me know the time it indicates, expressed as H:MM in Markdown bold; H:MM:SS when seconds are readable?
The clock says **4:52**
